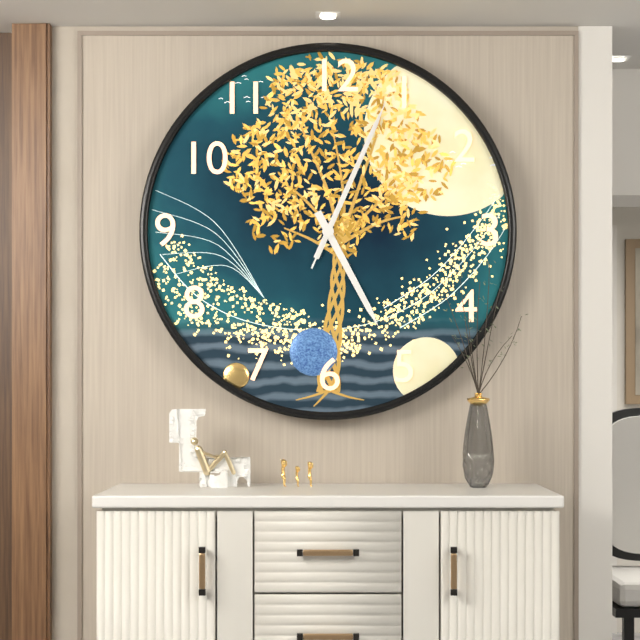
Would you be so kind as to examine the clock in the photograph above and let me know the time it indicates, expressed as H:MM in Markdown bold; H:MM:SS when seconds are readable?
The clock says **5:04:04**
